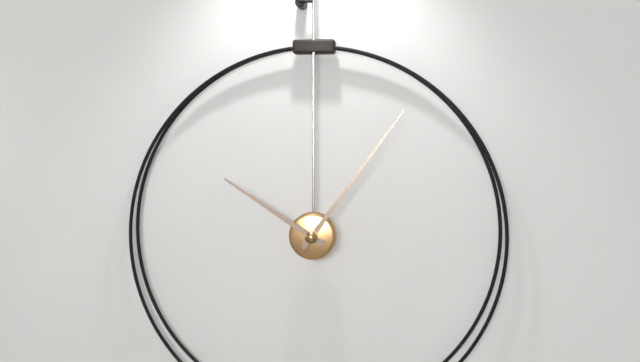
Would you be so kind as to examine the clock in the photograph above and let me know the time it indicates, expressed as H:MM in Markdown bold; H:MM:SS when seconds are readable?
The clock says **10:06**
